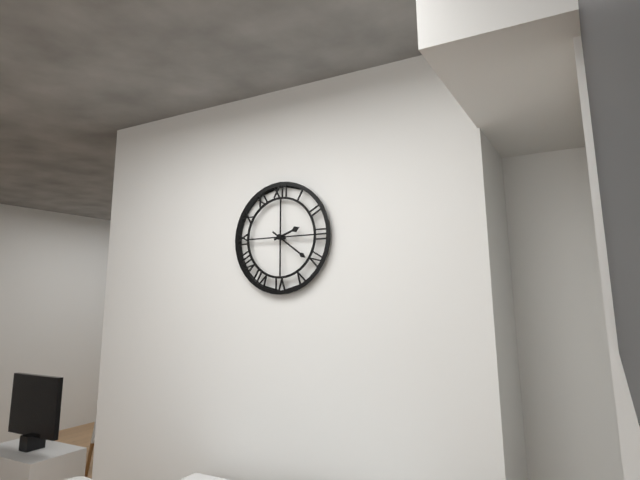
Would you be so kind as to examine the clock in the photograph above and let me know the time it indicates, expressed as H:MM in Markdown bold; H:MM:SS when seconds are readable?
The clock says **2:21**
